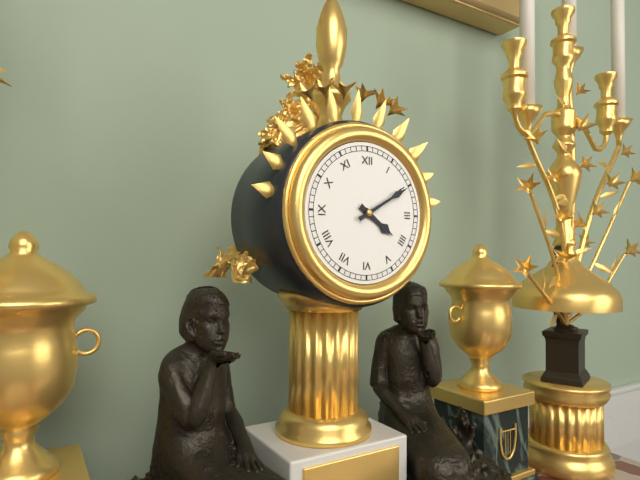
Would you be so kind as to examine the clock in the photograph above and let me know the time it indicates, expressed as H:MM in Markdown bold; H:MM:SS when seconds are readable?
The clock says **4:10**
